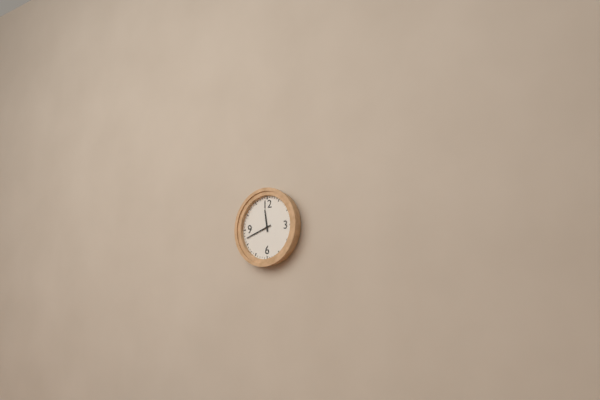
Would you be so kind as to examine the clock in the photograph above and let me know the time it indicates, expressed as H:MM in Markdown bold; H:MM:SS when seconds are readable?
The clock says **11:42**
